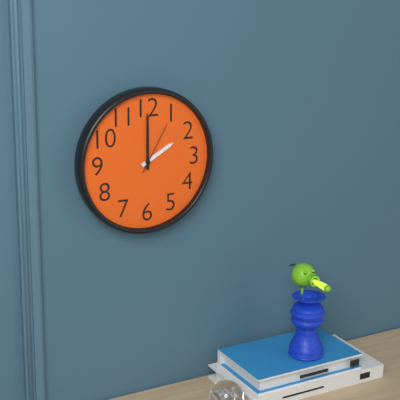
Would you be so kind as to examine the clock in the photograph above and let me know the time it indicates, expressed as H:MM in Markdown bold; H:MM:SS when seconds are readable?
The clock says **2:00:05**
